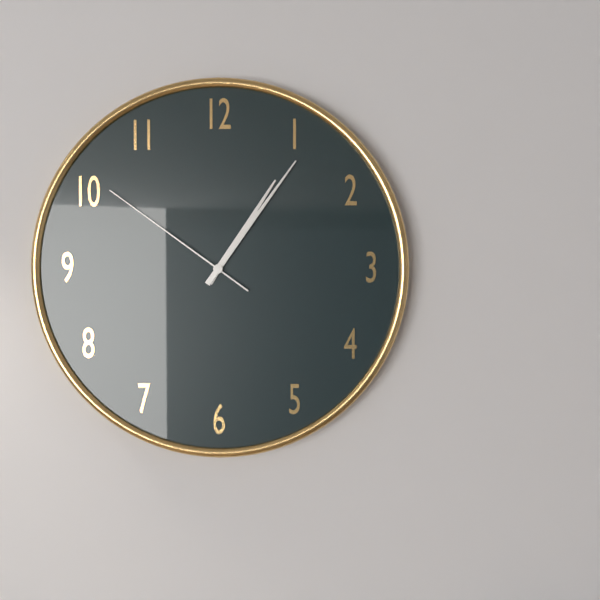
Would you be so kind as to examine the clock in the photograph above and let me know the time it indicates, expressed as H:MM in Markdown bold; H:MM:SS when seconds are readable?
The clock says **1:06:51**
